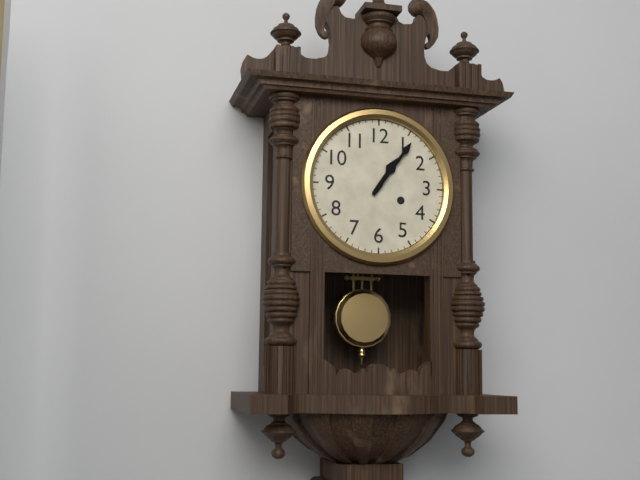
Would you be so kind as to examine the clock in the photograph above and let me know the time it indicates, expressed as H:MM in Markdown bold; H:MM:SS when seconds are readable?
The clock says **1:06**
